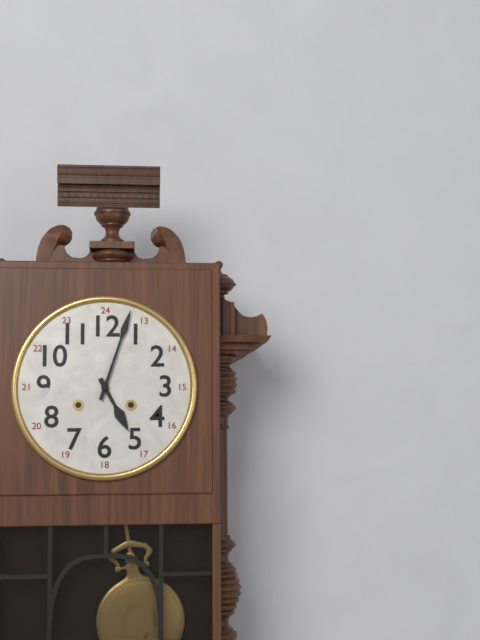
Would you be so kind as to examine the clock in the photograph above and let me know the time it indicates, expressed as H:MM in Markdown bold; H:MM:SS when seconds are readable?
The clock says **5:03**
